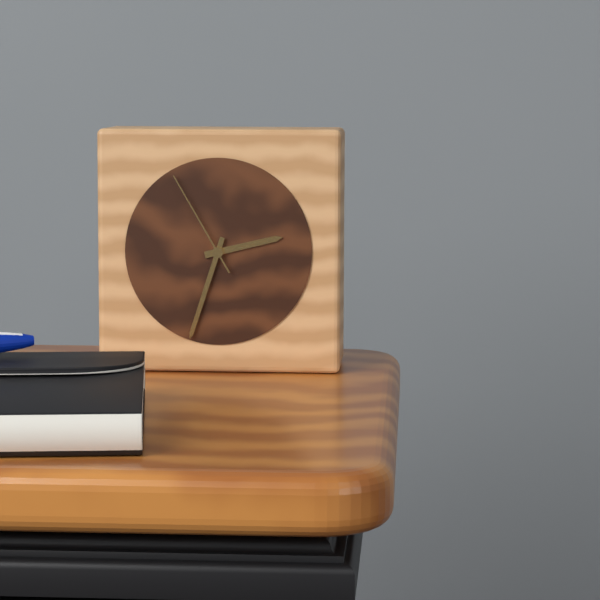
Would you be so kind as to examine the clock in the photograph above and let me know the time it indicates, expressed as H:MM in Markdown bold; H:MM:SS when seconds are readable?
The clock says **2:33:55**
